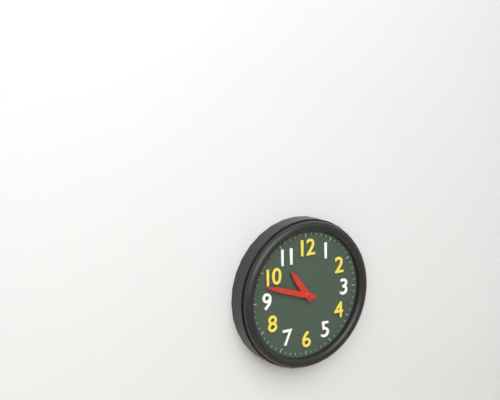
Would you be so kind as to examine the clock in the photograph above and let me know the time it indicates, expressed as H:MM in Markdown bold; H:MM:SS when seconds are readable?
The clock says **10:48**
